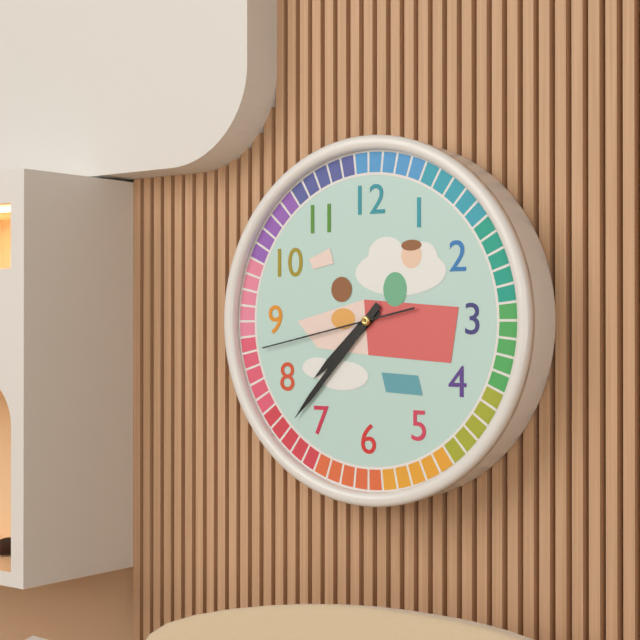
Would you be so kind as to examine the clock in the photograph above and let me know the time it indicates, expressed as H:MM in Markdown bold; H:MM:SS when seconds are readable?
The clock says **7:37:43**
